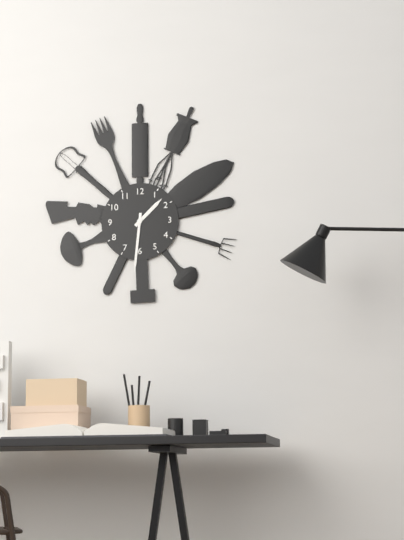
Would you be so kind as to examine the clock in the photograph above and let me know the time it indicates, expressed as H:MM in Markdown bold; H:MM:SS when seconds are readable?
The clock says **1:31**
